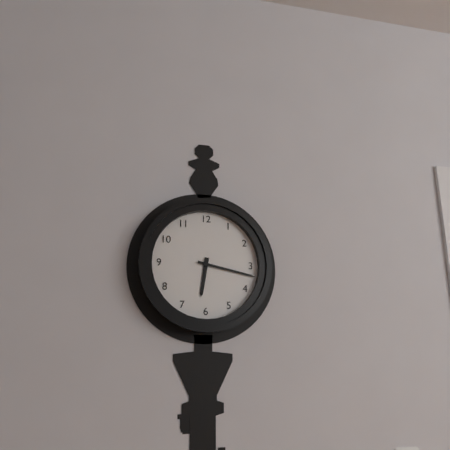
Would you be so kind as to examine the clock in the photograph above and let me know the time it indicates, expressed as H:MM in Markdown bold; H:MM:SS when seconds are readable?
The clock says **6:17**
